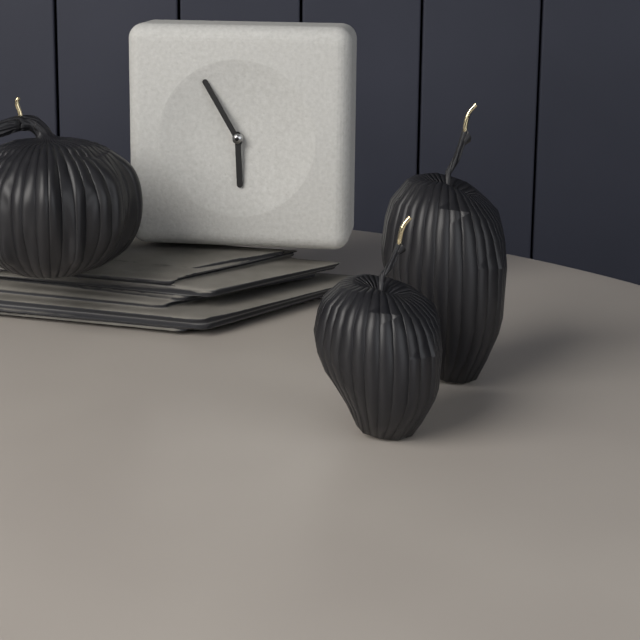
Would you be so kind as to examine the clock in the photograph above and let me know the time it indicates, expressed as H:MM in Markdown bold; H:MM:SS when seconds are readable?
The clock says **5:55**
